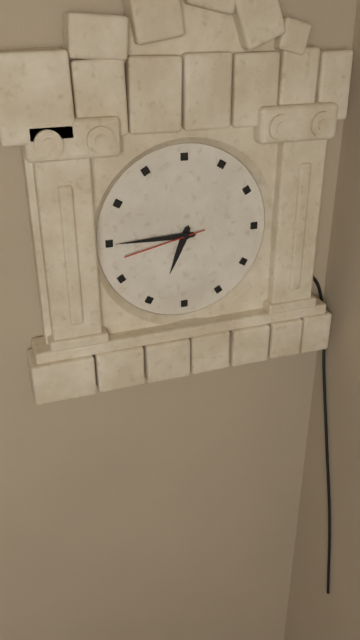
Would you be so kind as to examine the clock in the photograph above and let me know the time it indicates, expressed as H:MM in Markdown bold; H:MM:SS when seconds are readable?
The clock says **6:45:43**
